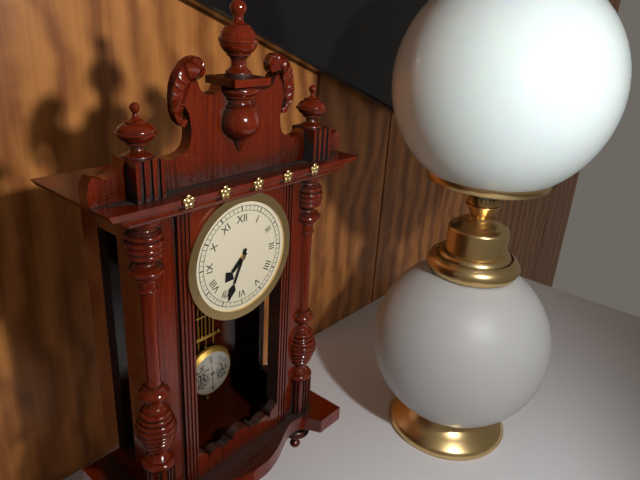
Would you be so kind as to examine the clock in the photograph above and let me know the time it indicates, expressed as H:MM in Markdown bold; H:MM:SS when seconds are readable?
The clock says **7:34**
